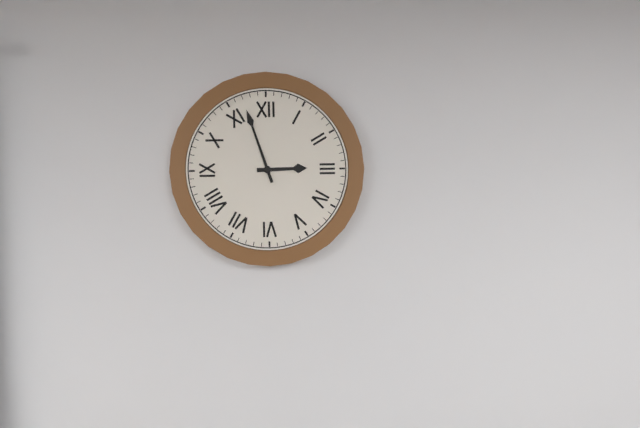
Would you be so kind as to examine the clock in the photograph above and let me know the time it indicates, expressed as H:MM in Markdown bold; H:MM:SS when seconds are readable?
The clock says **2:57**
